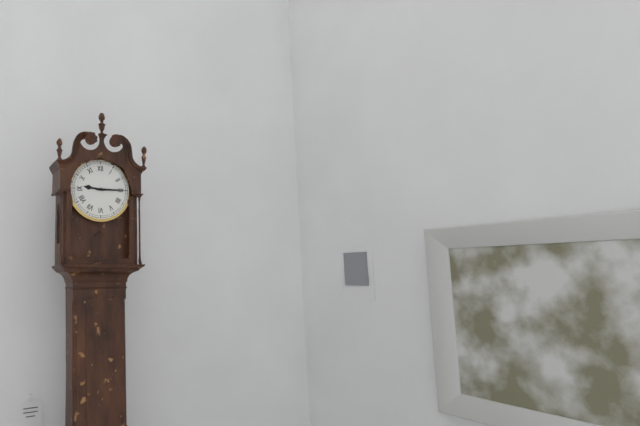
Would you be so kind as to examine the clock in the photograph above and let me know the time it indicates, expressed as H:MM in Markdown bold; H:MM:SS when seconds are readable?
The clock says **9:15**
